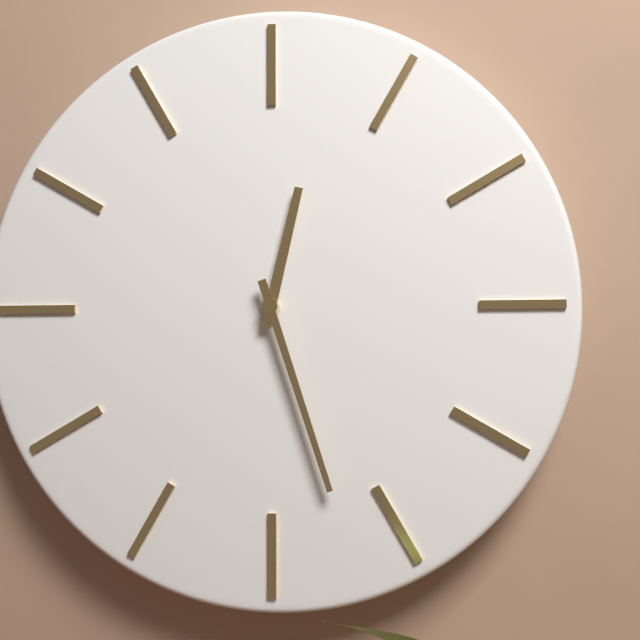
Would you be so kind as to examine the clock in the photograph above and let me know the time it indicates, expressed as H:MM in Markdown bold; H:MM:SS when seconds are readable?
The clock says **12:27**
